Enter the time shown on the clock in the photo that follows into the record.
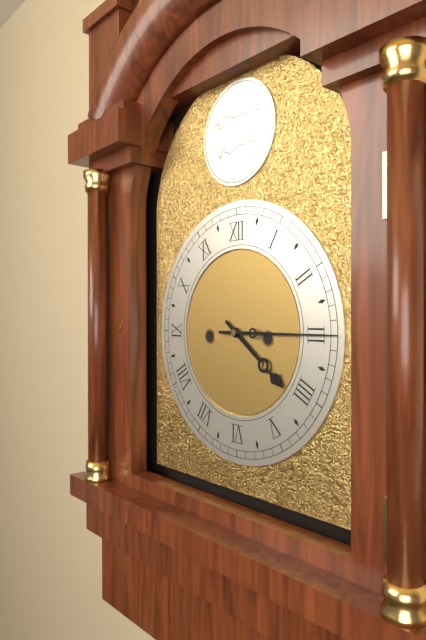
4:15
